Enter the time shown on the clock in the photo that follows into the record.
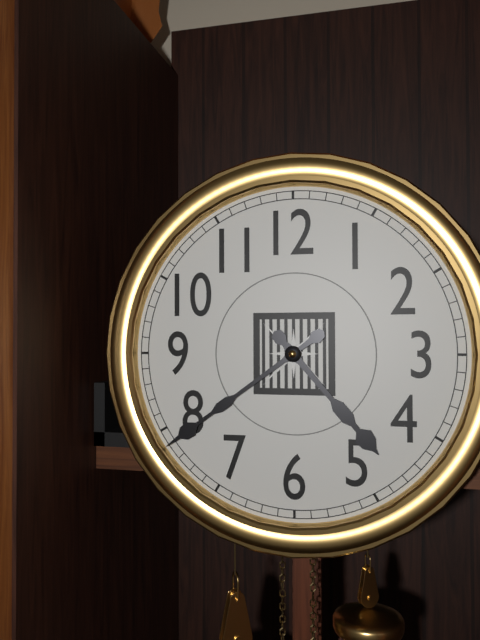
4:39
